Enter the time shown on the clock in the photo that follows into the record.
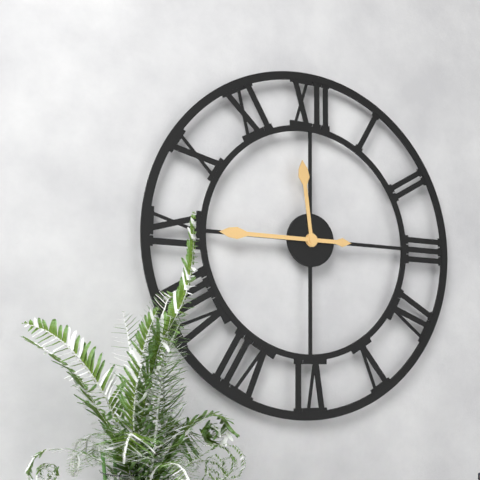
11:45
